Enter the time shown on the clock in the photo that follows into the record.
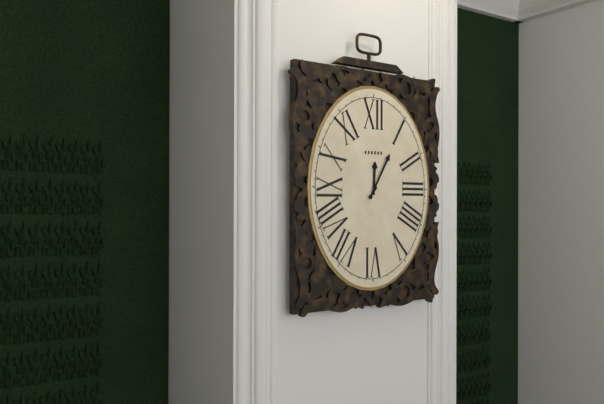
12:05
